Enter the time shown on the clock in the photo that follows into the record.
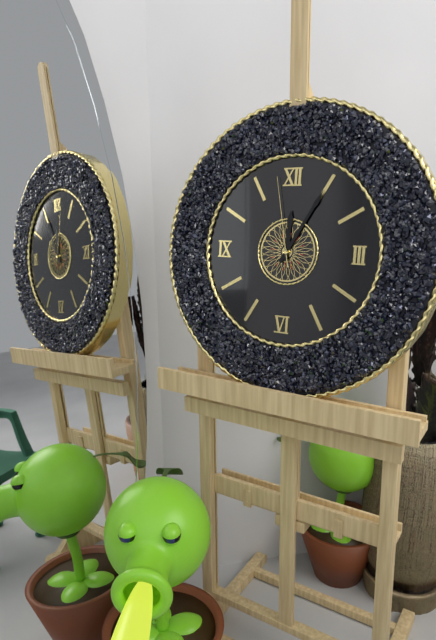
12:05:58
